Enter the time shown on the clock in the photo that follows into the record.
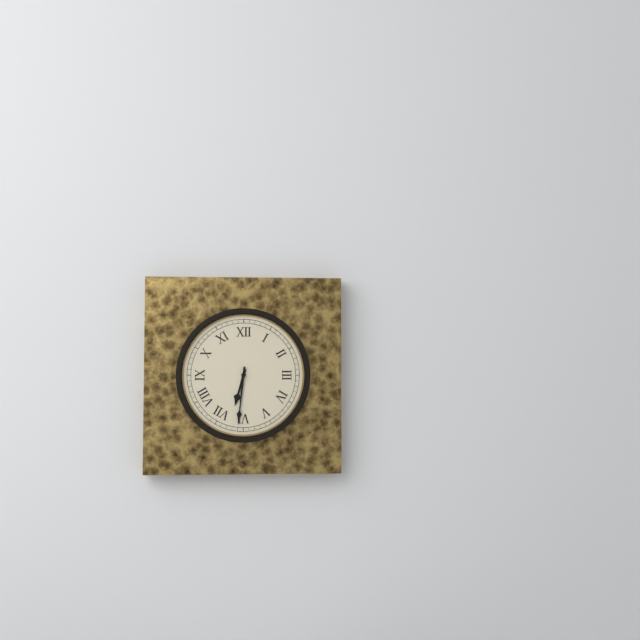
6:31
